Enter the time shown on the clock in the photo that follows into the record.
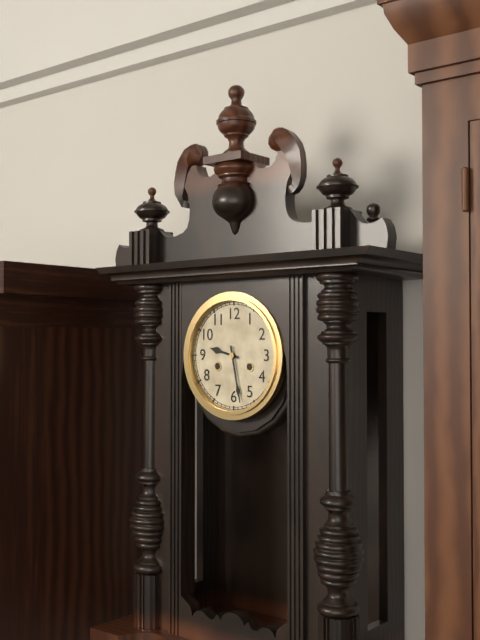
9:28
